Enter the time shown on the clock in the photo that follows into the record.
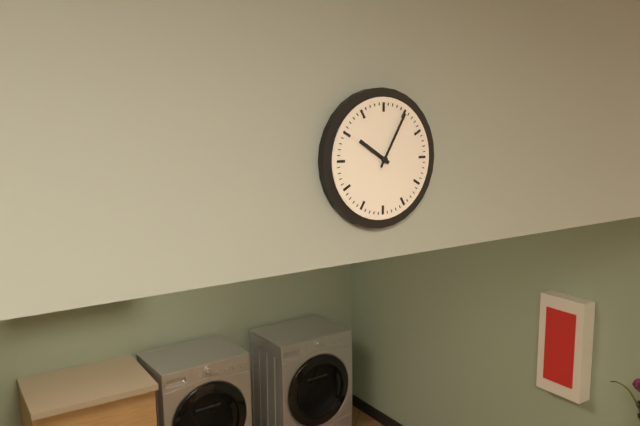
10:05
